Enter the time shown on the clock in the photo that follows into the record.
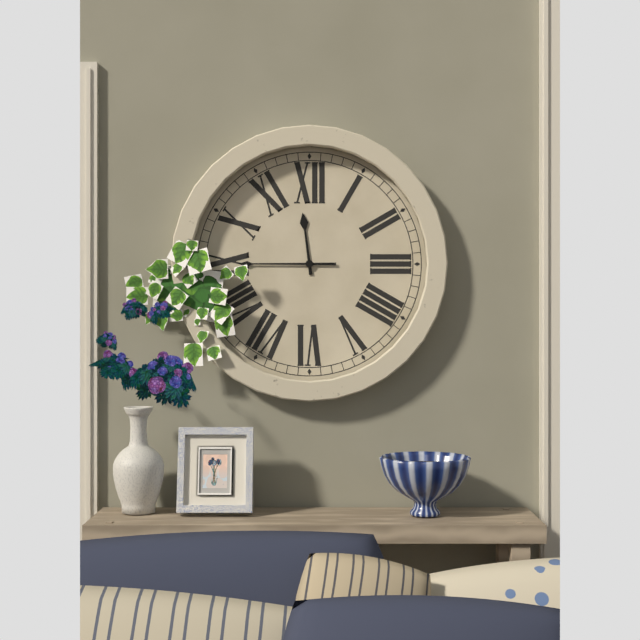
11:45
